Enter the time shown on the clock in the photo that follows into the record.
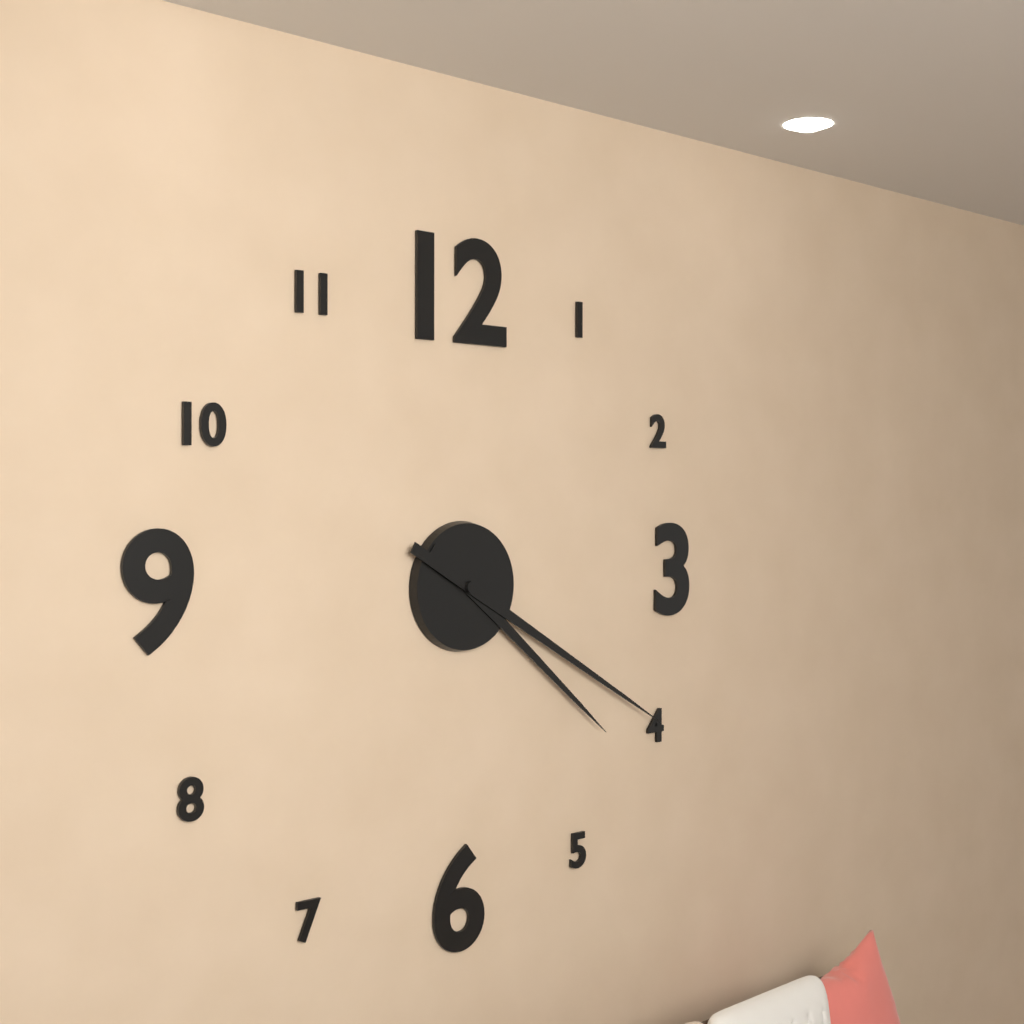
4:20
